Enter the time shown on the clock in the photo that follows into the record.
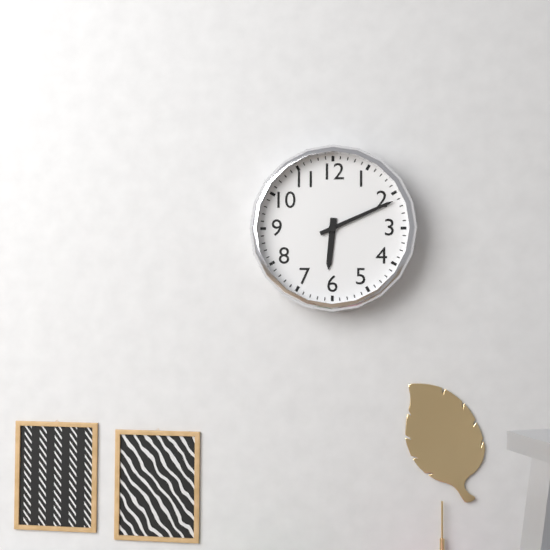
6:11
